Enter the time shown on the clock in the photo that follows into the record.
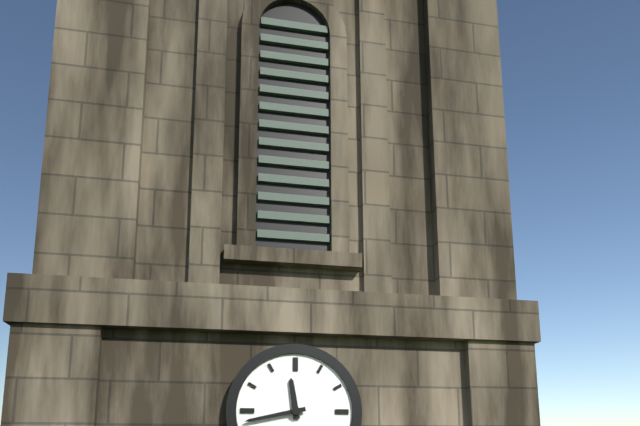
11:43
